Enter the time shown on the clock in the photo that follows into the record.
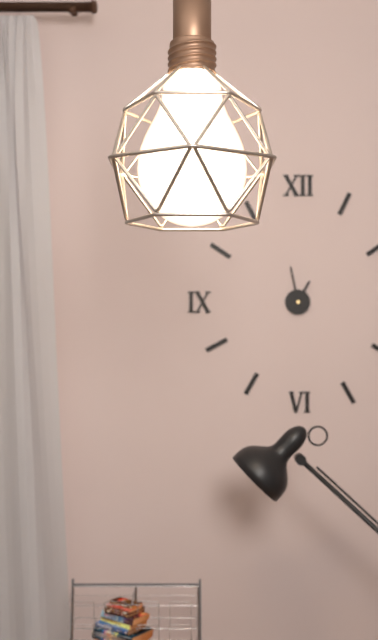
12:58
